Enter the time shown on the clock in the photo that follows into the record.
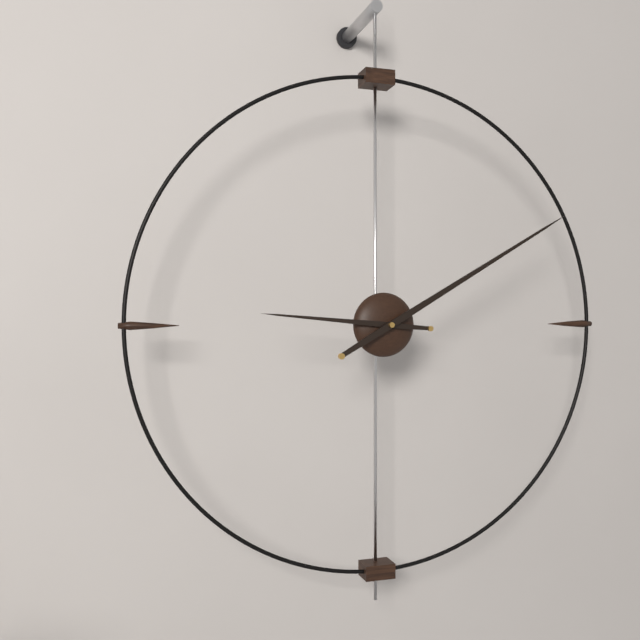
9:10
